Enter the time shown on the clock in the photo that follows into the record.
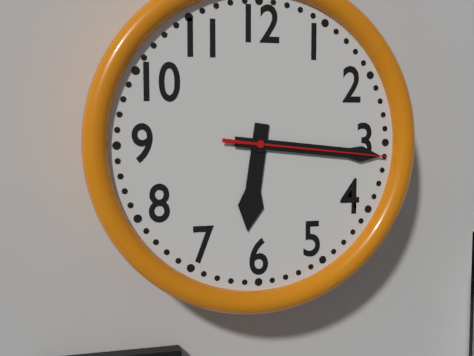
6:16:16
